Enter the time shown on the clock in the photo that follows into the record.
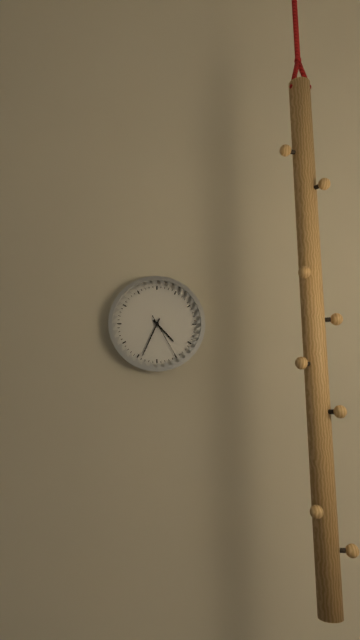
4:34
